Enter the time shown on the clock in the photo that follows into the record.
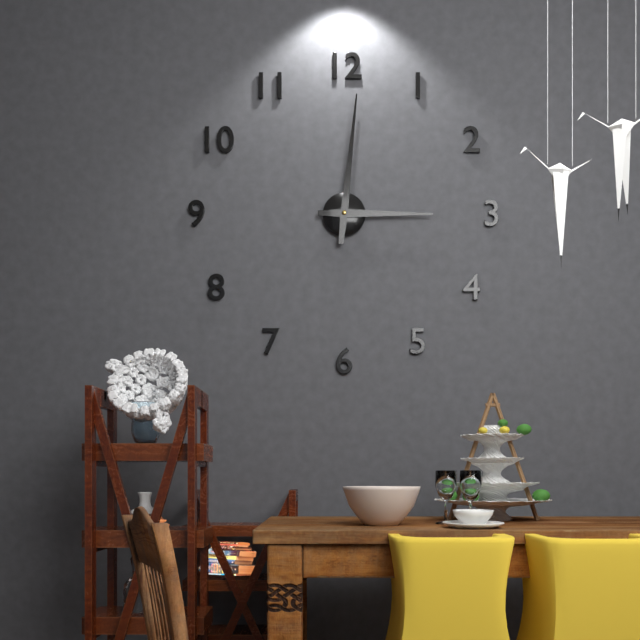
3:01
